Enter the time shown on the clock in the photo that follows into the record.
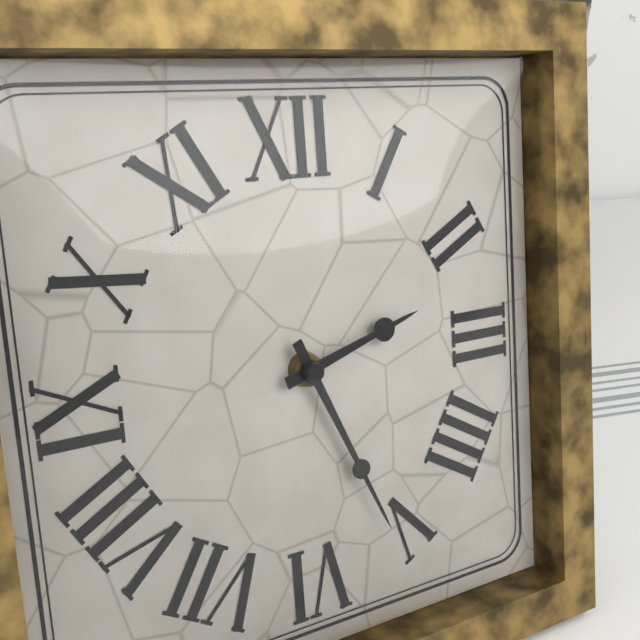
2:26
